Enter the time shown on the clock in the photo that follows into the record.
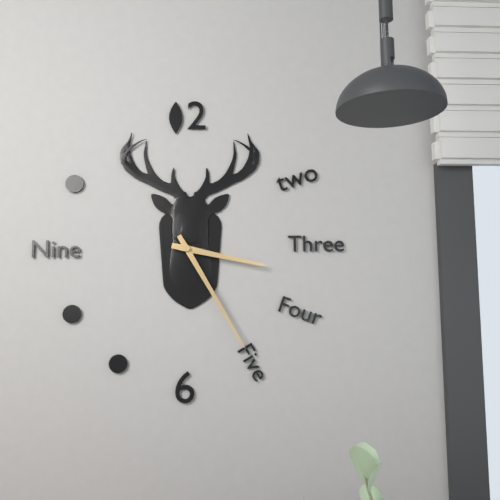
3:25
